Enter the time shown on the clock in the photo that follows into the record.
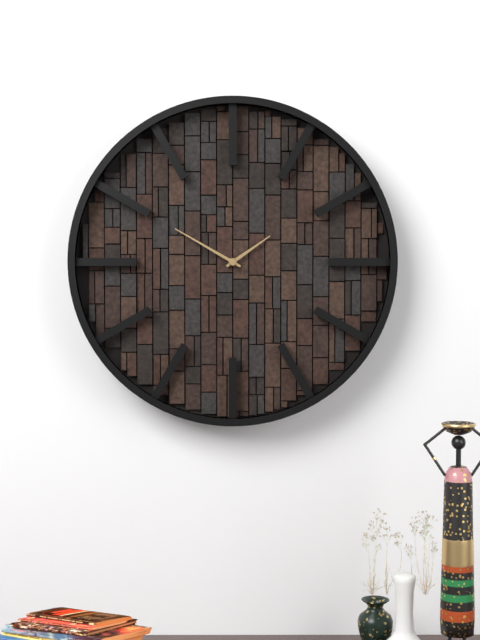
1:50
